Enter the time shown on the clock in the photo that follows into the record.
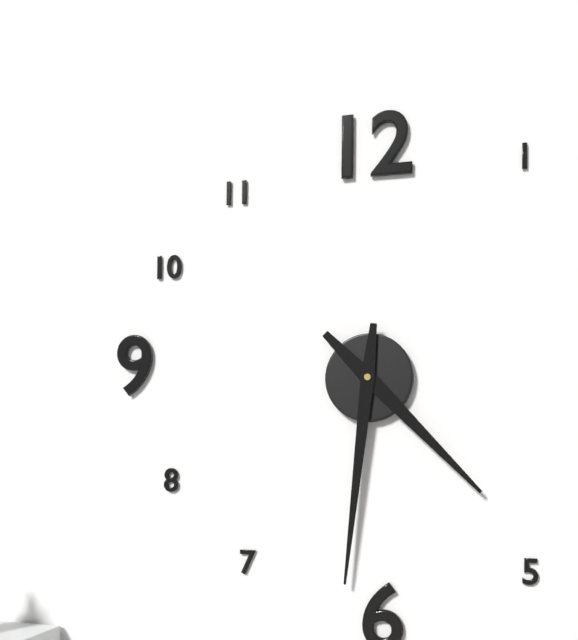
4:31
